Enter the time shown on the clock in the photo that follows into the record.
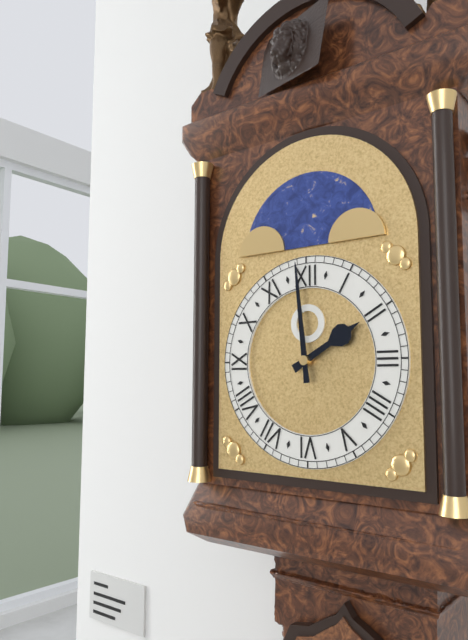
1:59
